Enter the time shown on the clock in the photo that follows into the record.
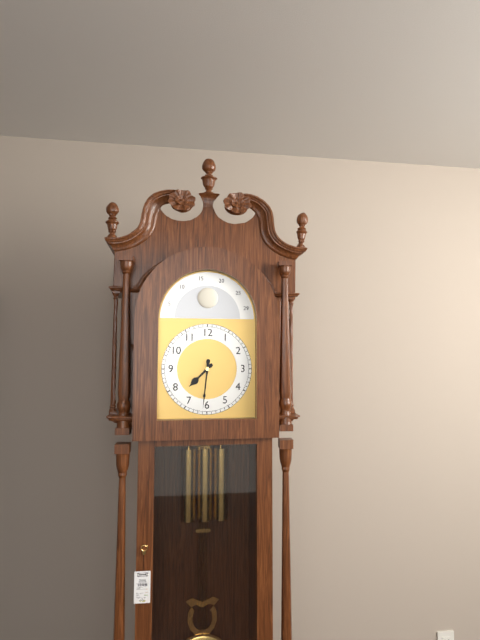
7:31
